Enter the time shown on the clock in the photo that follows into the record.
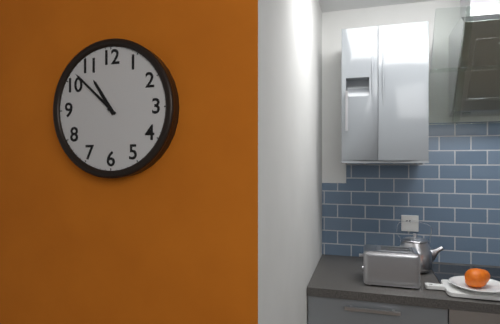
10:52
